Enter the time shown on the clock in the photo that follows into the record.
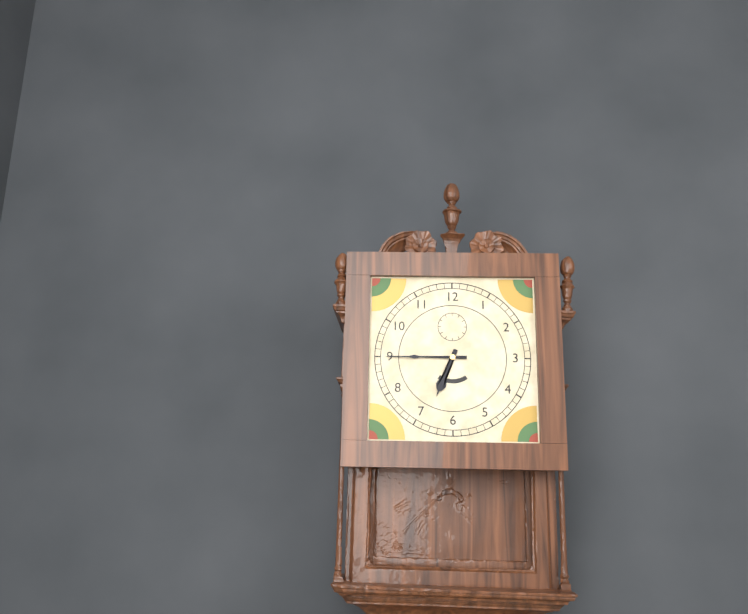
6:45
